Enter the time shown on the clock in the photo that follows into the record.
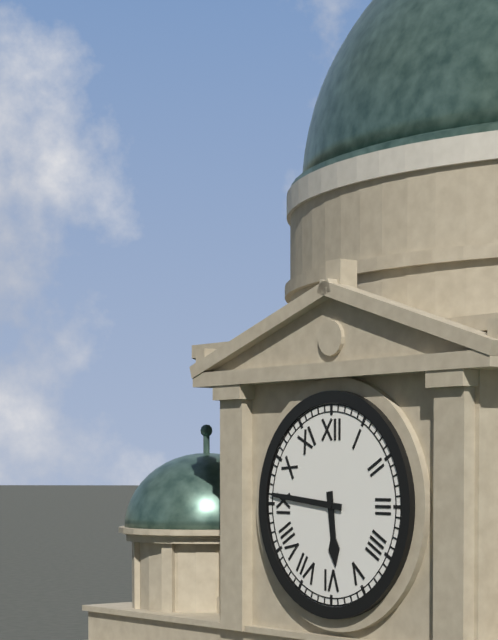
5:46
